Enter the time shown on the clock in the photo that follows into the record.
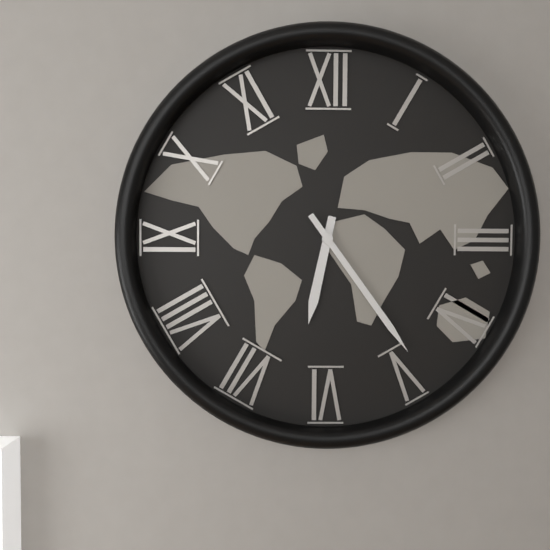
6:24
